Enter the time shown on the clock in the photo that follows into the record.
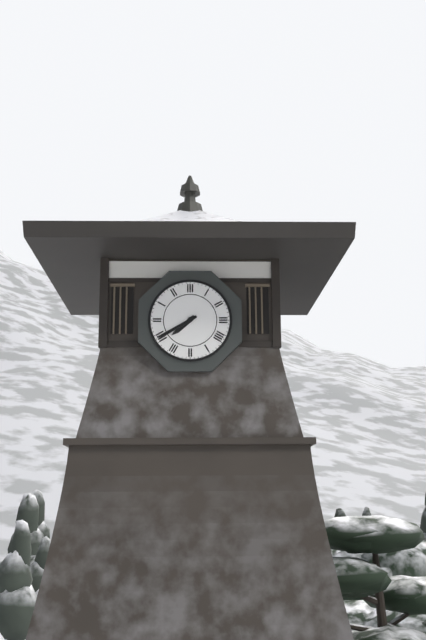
7:40
